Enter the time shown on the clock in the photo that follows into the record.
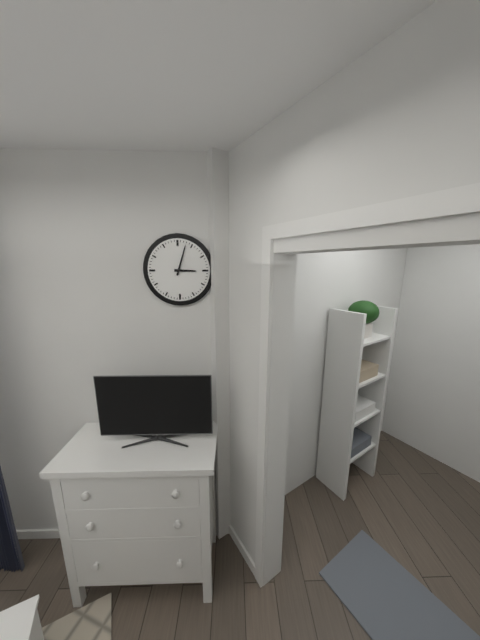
3:03
